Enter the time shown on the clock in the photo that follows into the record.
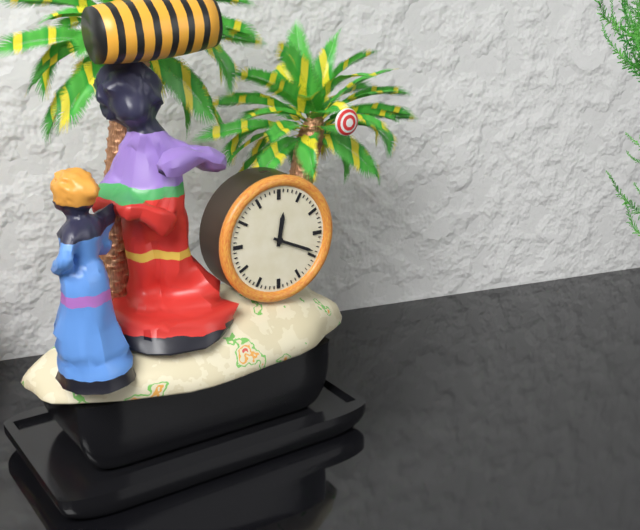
12:19
